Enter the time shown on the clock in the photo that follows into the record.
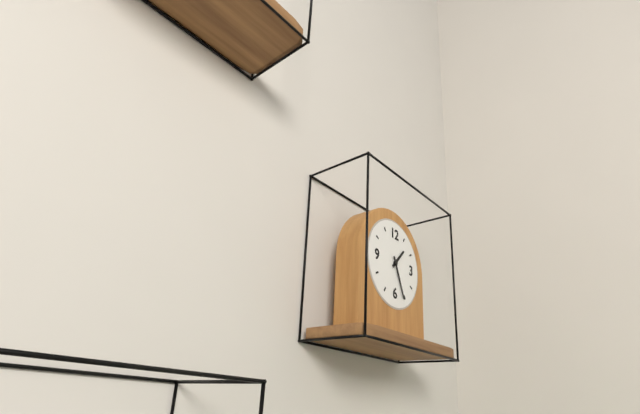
1:26
